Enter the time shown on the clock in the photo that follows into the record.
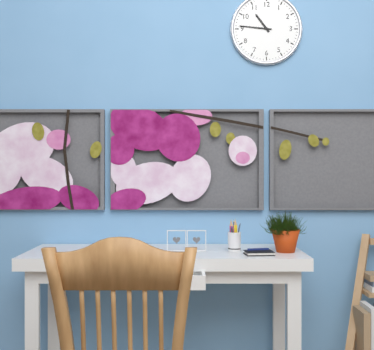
10:46
